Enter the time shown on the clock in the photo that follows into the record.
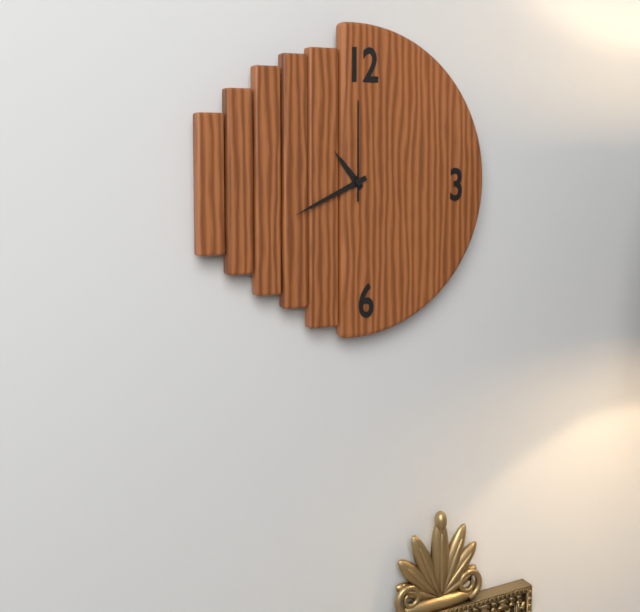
10:41:00
